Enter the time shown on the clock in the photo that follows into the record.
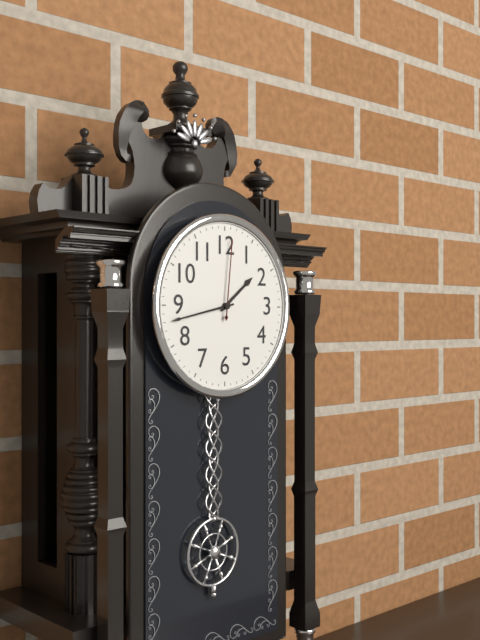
1:43:01
